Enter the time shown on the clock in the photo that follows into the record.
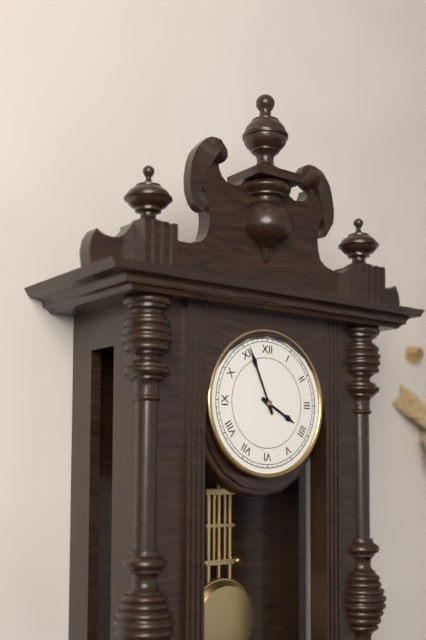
3:56
